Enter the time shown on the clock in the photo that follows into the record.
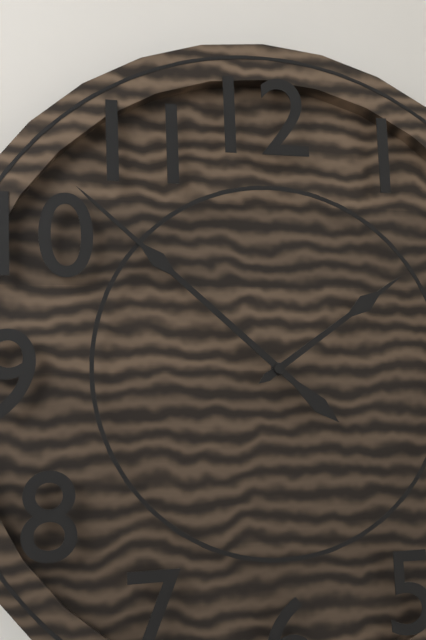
1:52
